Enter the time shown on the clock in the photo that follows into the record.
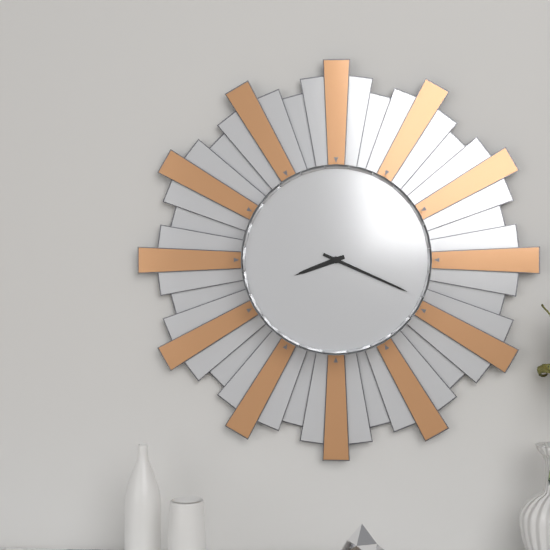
8:19
